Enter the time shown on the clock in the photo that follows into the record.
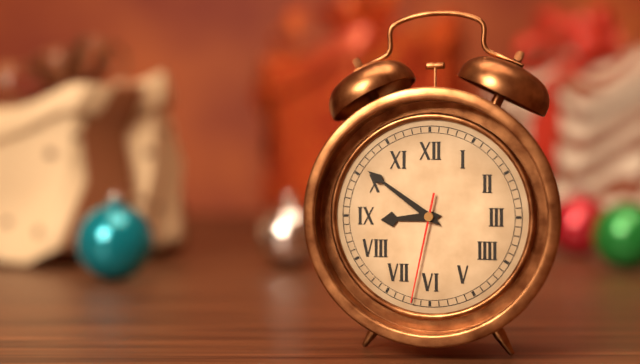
8:51:32
